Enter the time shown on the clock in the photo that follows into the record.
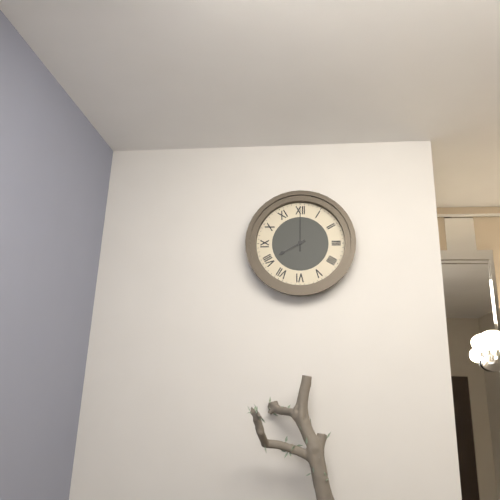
8:00
